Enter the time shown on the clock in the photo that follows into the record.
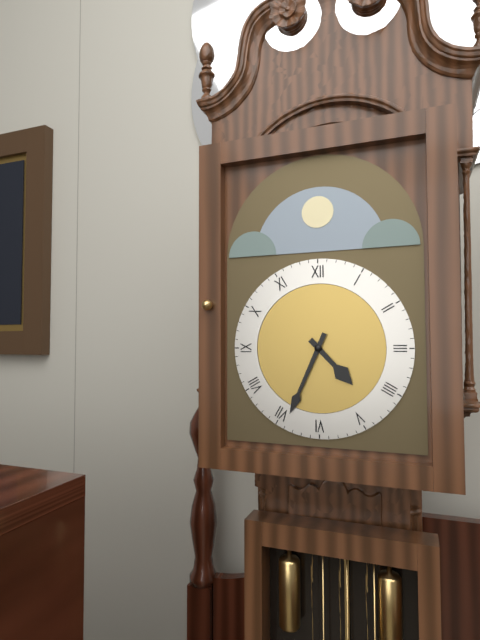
4:34
